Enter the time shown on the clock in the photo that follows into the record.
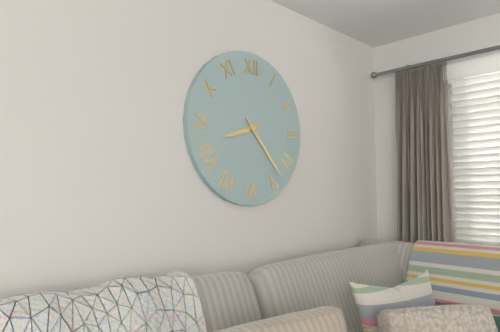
8:23
